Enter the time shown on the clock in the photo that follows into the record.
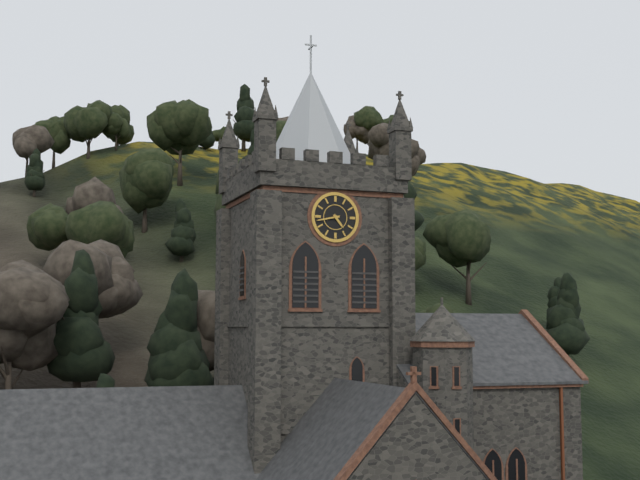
4:43
